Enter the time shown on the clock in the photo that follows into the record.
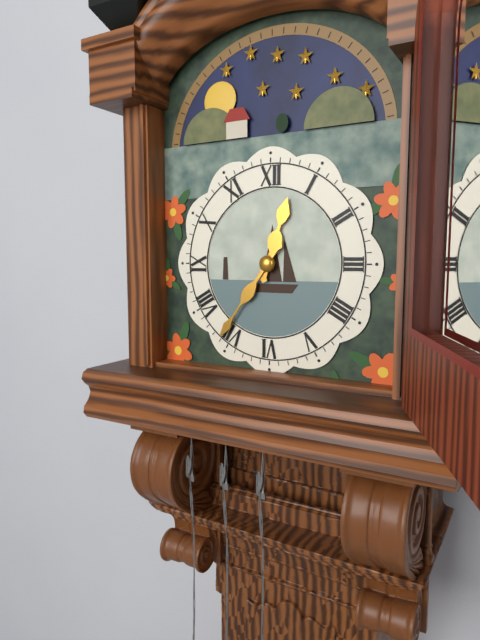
12:36
